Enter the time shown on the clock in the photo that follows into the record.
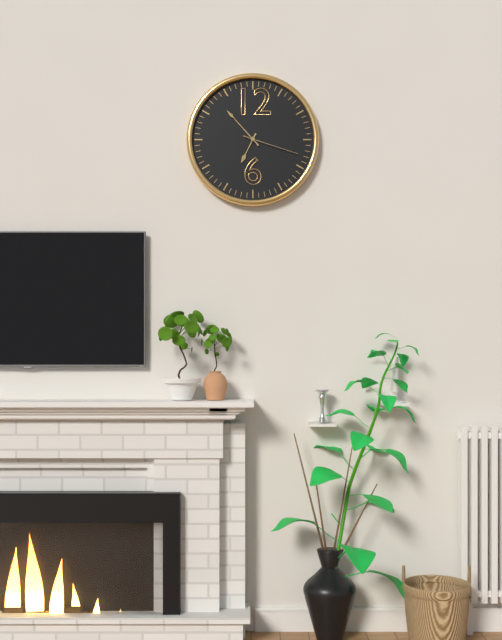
6:53:18
